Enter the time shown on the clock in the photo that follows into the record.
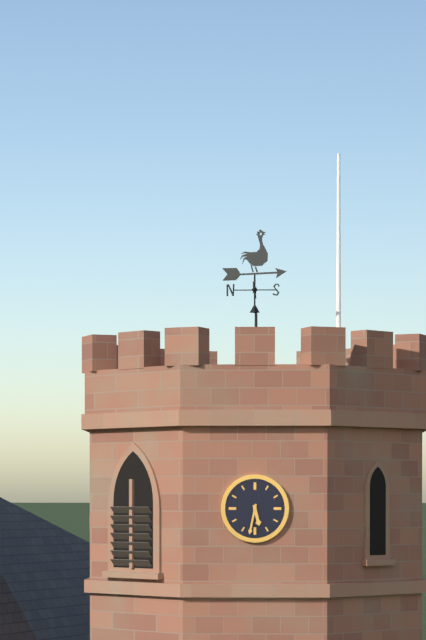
5:32
